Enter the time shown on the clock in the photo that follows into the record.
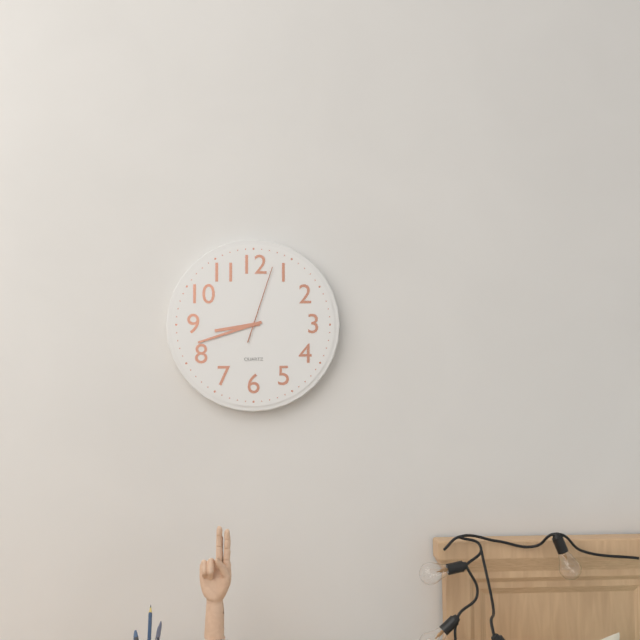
8:42:03
